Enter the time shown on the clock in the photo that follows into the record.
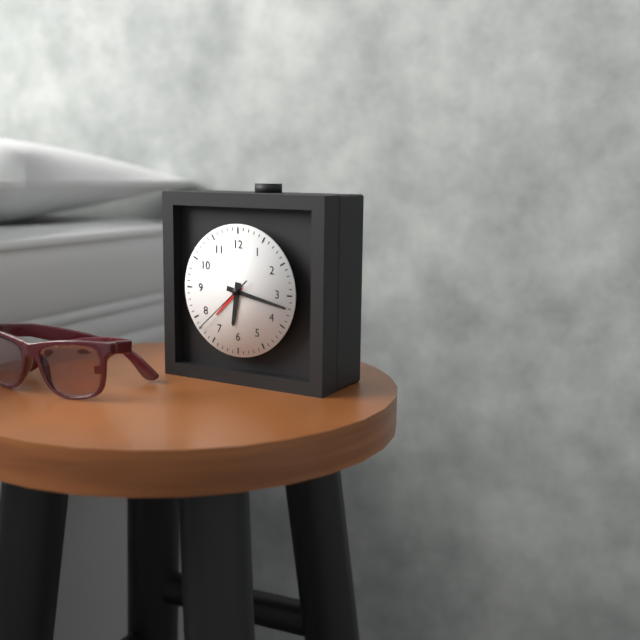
6:17:38
